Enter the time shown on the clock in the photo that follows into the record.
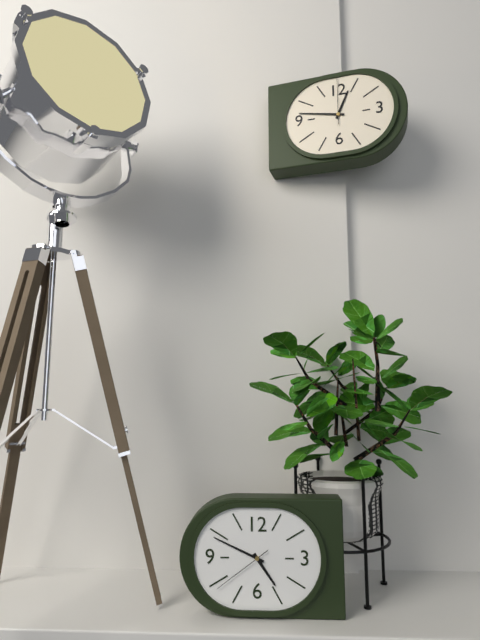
4:49:39
